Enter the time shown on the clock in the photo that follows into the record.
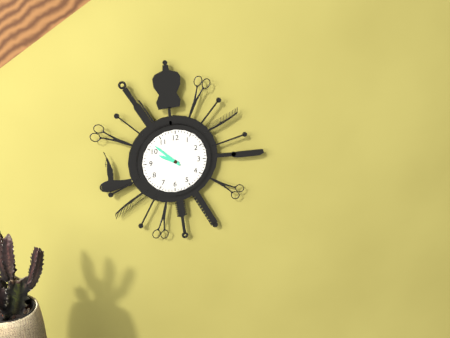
9:52
